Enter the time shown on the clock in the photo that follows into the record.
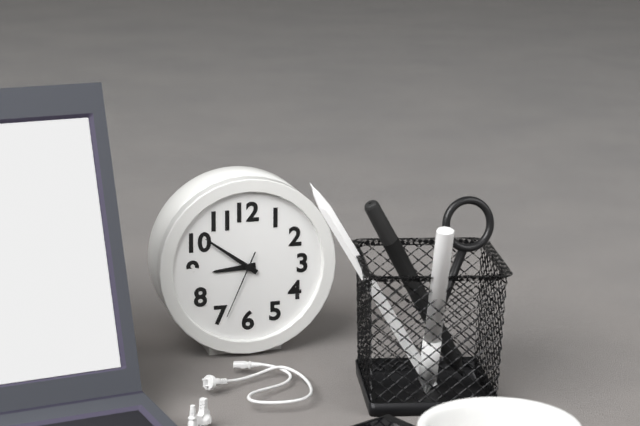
8:51:34
